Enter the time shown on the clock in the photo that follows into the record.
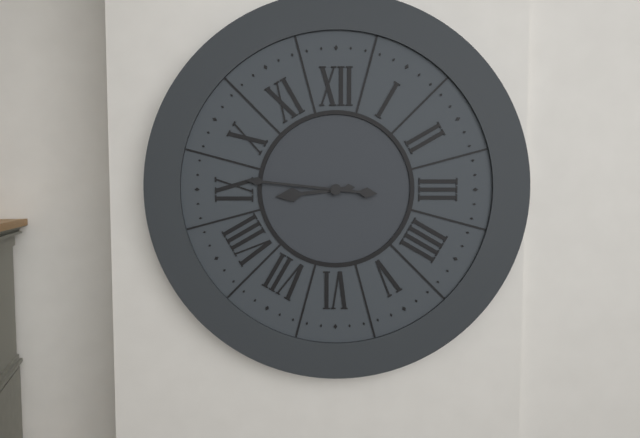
8:46
